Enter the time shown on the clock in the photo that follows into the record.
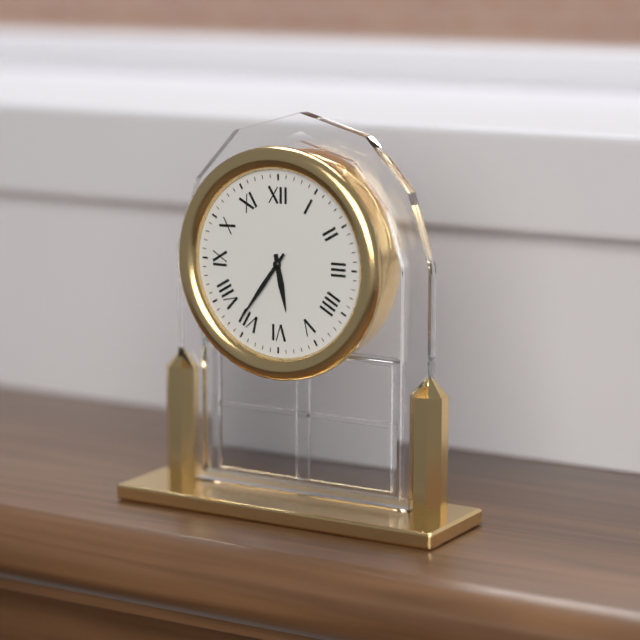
5:36
